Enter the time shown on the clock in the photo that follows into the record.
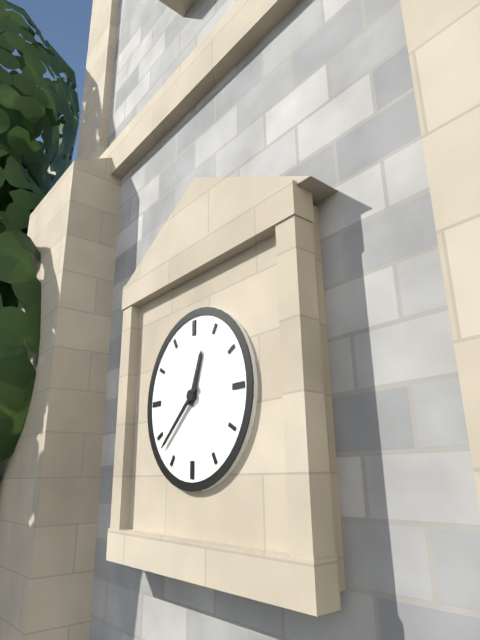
12:38
